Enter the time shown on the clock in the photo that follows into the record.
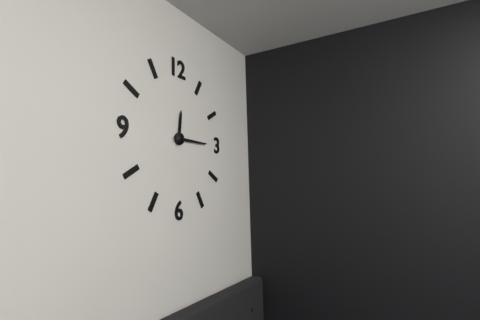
12:15
